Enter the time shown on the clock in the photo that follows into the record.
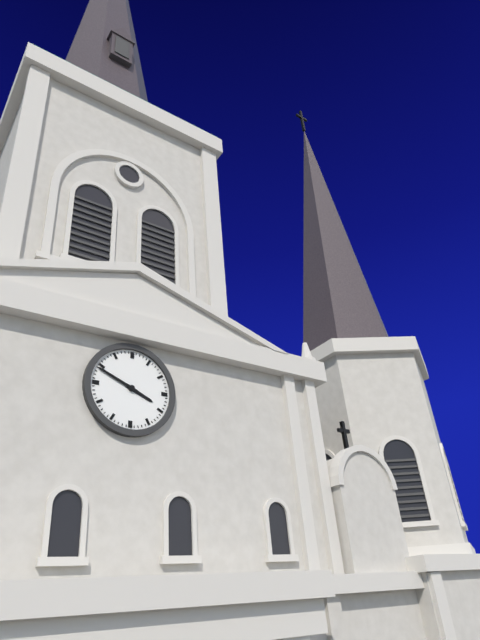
3:49
